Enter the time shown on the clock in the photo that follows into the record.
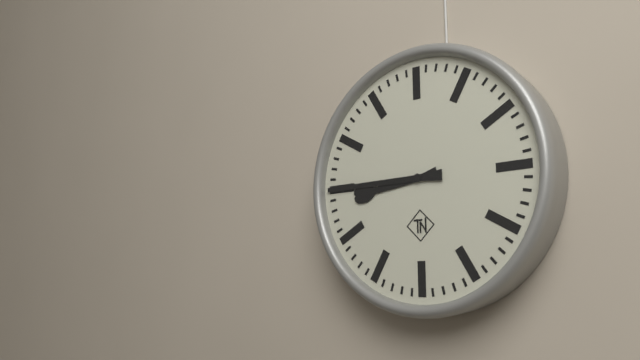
8:45
